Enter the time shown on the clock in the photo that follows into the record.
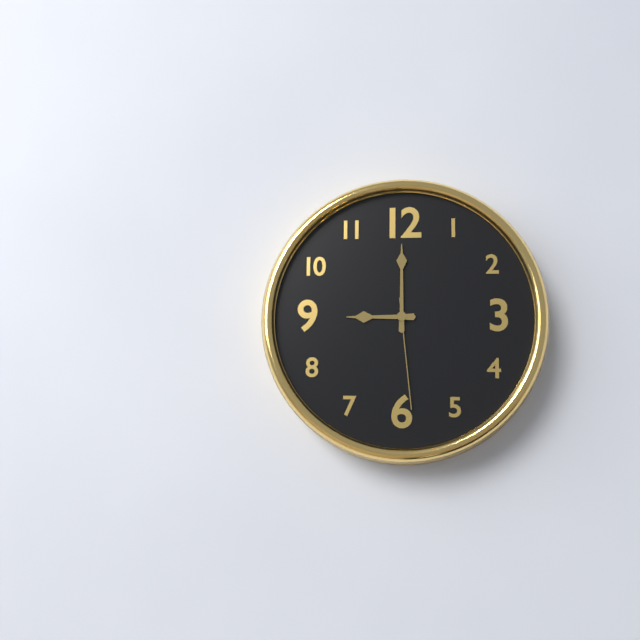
9:00:29
